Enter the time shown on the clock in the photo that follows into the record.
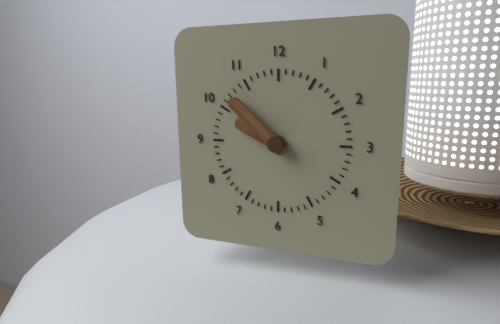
9:52
